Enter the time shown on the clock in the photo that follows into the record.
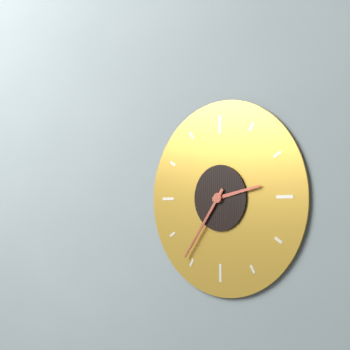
2:36
